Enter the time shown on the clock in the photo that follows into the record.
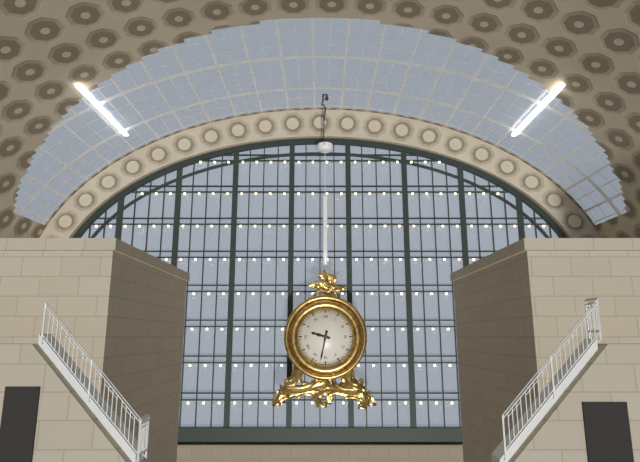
9:32
